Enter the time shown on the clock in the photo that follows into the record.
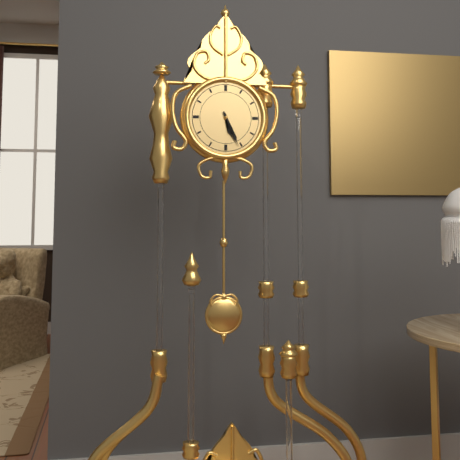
5:26
